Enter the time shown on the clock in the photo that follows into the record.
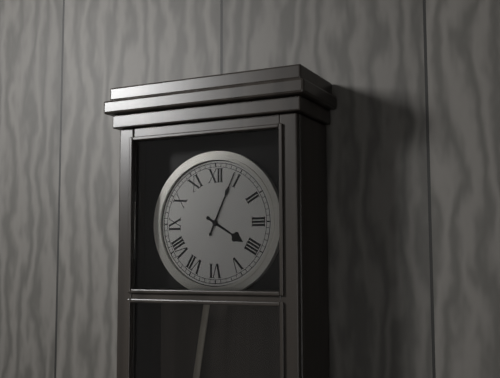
4:04
